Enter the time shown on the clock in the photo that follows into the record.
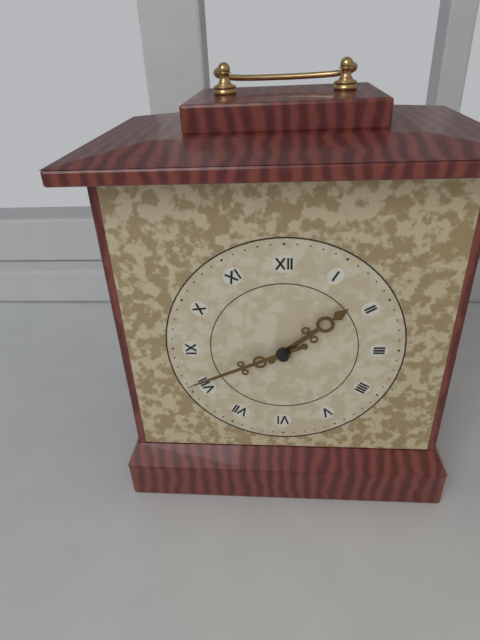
1:41
